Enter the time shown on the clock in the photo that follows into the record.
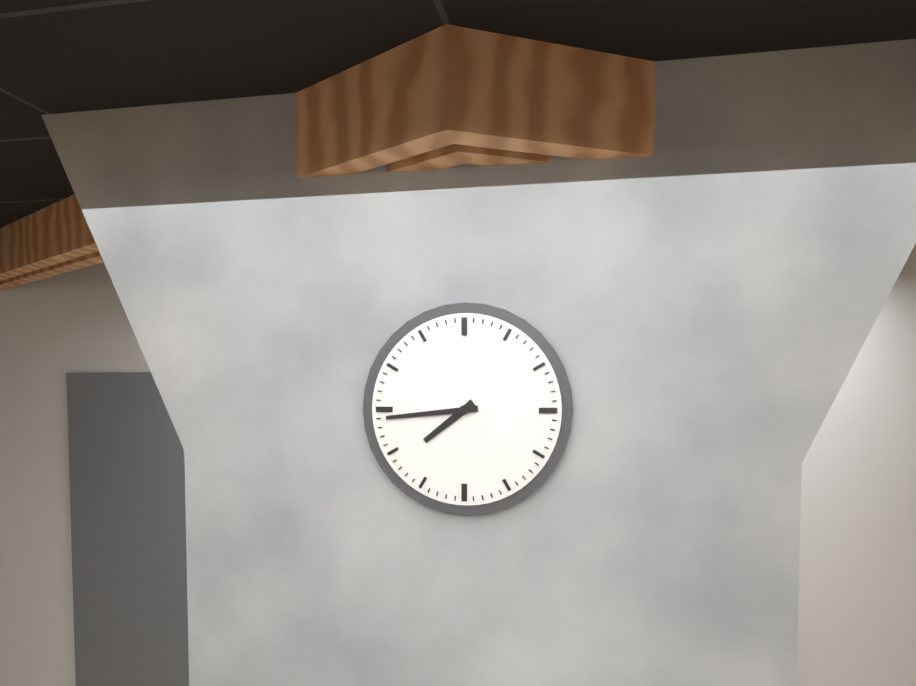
7:44
